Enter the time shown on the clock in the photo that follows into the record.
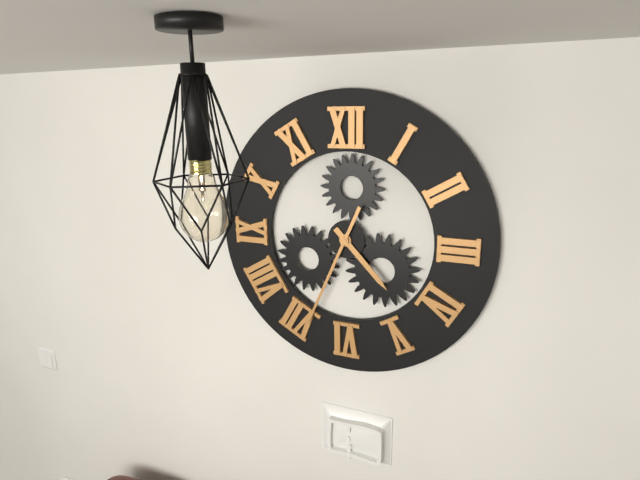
4:34
